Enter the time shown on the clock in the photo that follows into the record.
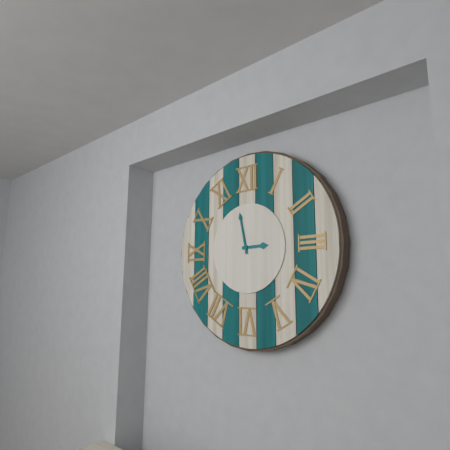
2:58
